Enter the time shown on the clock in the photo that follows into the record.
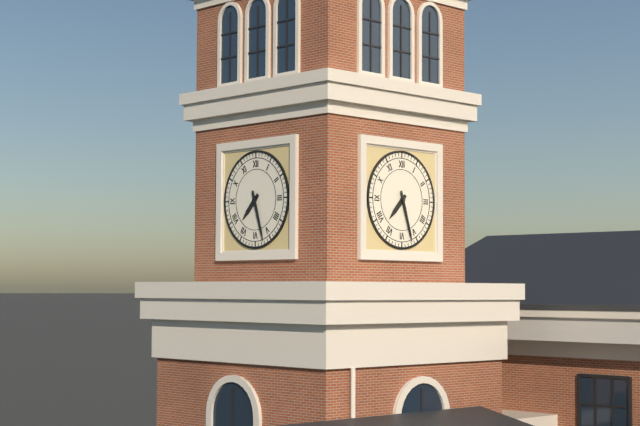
7:27
